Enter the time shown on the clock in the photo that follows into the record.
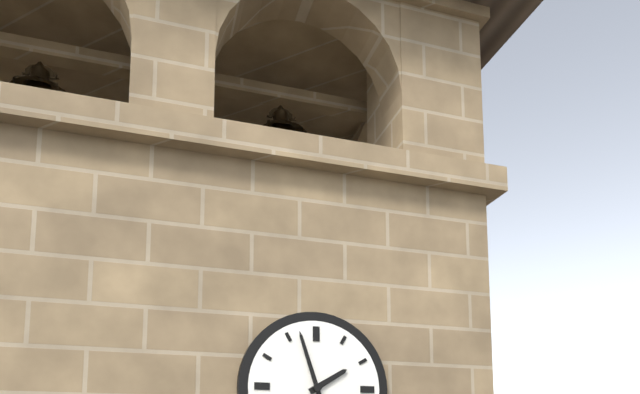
1:57
